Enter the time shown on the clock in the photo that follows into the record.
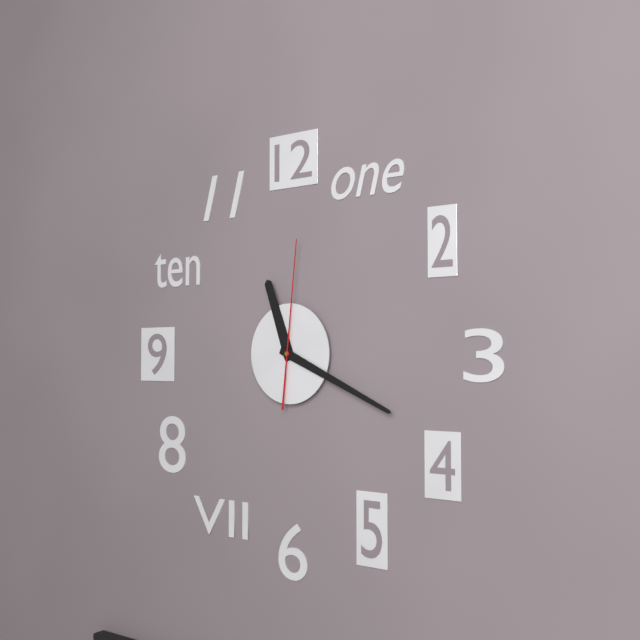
11:19:01
